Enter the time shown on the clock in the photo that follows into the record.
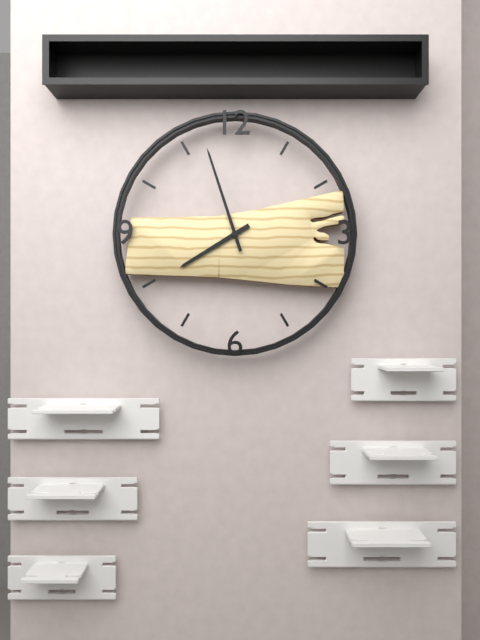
7:57
